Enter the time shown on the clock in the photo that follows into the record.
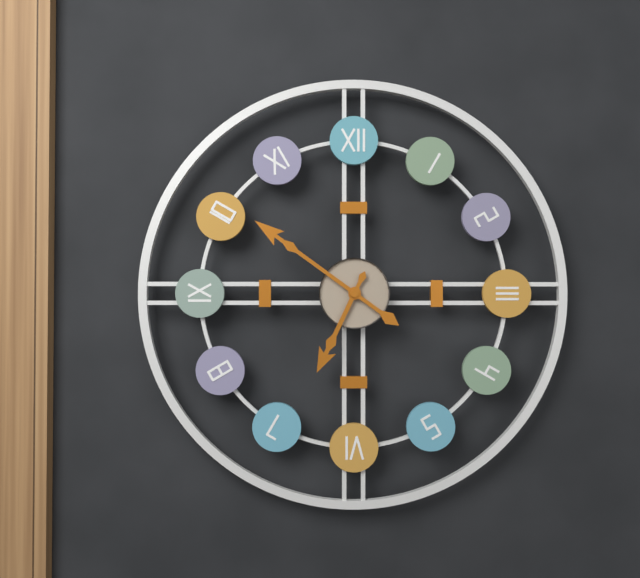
6:51
